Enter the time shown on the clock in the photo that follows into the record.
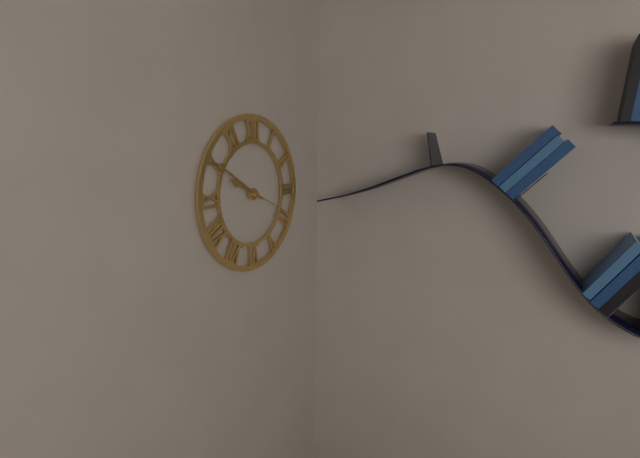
9:50:19
